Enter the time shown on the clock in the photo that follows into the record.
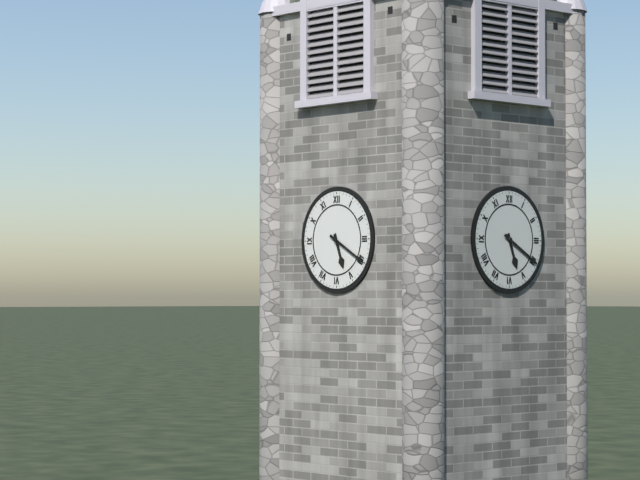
5:20
